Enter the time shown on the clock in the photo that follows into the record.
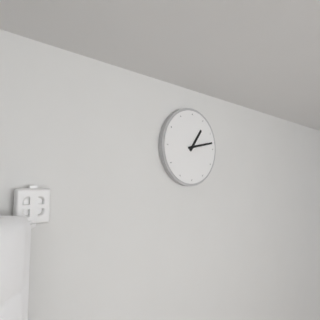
1:13
